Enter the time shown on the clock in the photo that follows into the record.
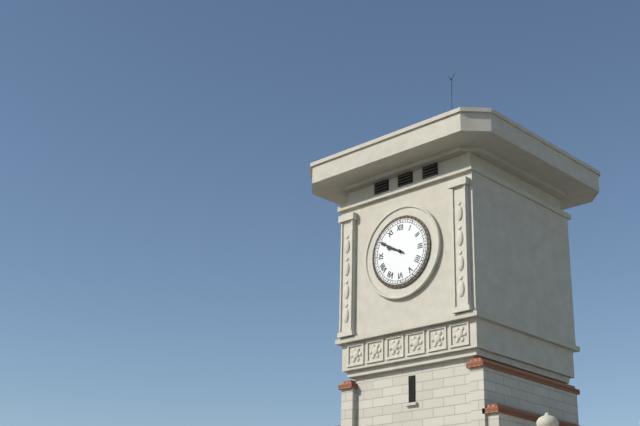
9:50
